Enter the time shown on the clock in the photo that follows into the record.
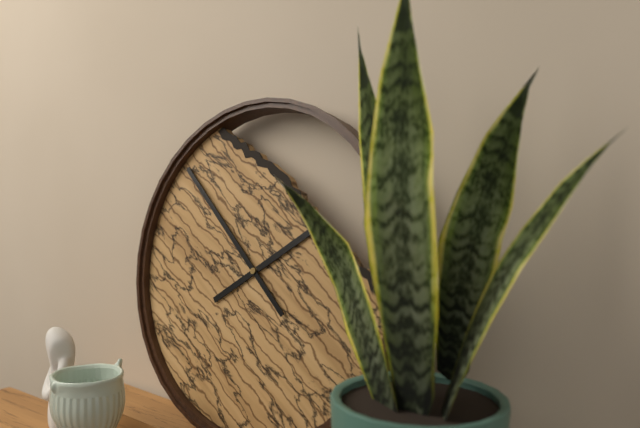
1:52
